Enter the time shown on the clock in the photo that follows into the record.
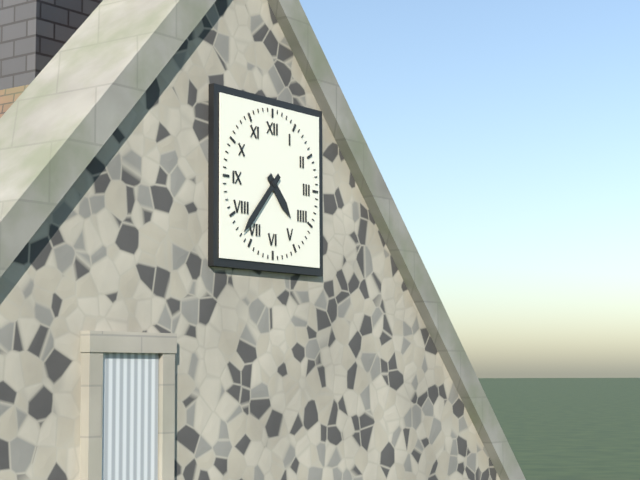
4:37
